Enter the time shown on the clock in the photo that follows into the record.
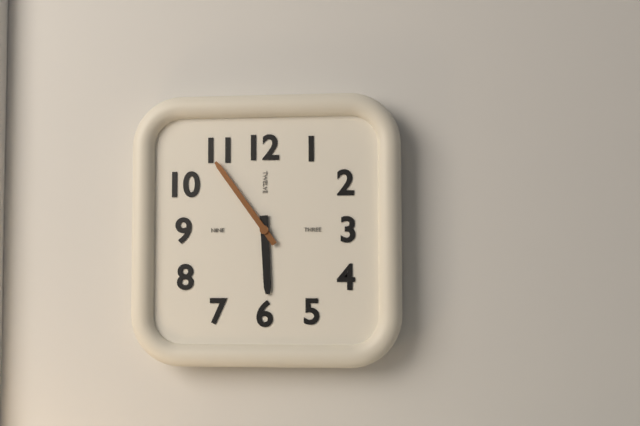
5:54
